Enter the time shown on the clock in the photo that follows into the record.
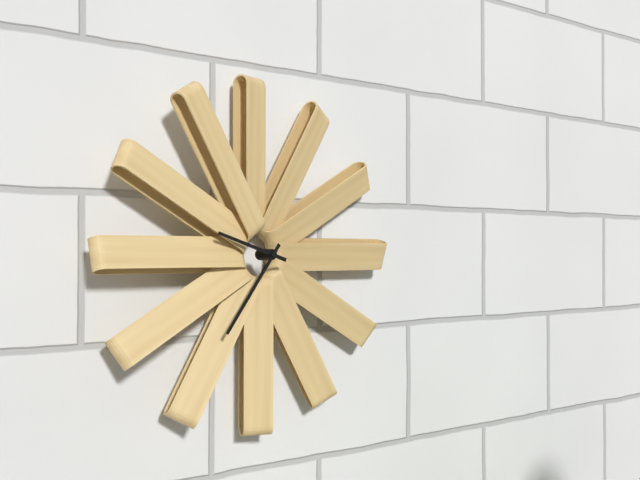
9:36
